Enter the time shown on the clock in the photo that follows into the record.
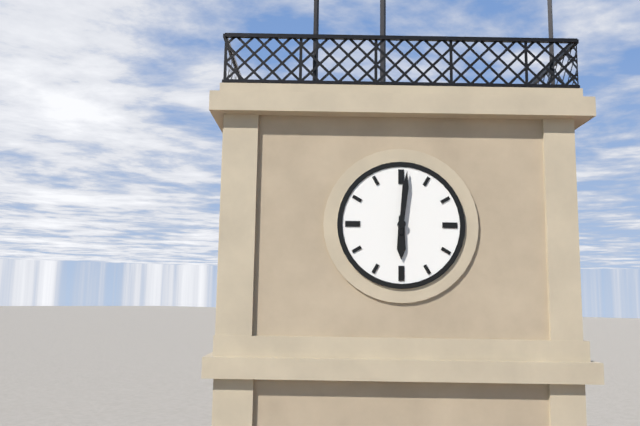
6:01
